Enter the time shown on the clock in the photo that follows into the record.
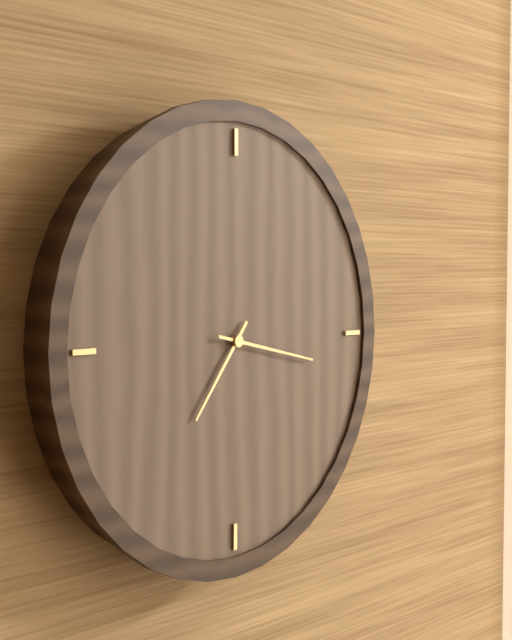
7:17
